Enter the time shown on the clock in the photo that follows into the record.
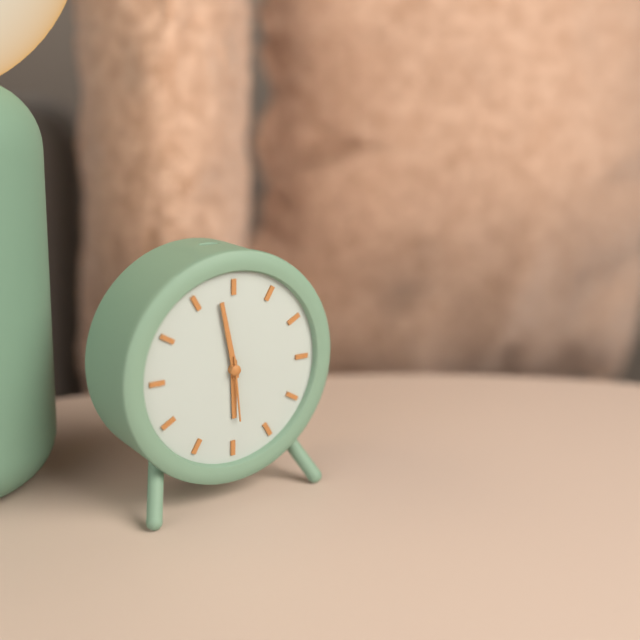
5:58:29
